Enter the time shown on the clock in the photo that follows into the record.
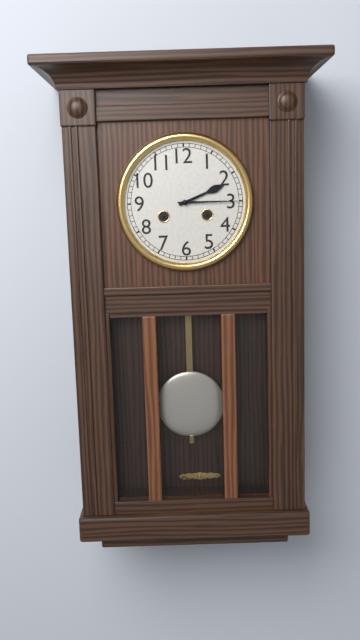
2:15
